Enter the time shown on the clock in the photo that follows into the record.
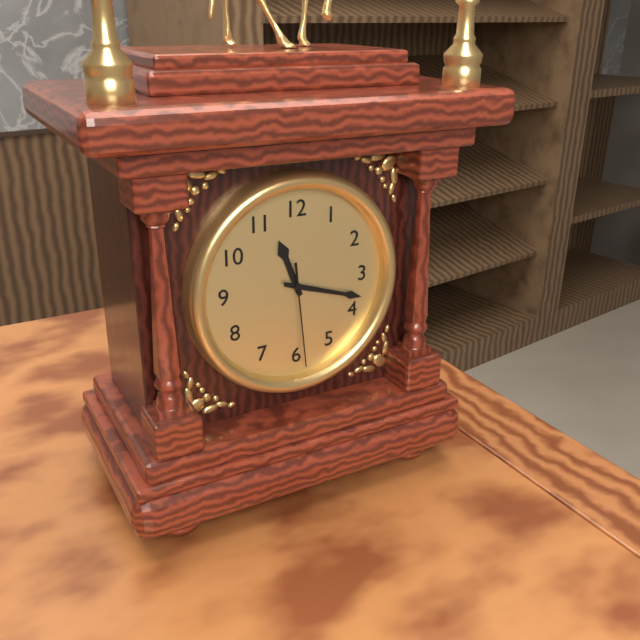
11:18:29
